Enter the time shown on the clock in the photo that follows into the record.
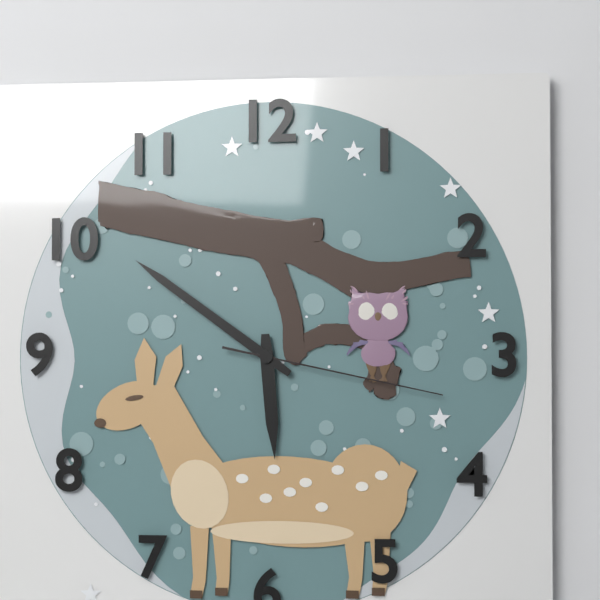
5:51:17
